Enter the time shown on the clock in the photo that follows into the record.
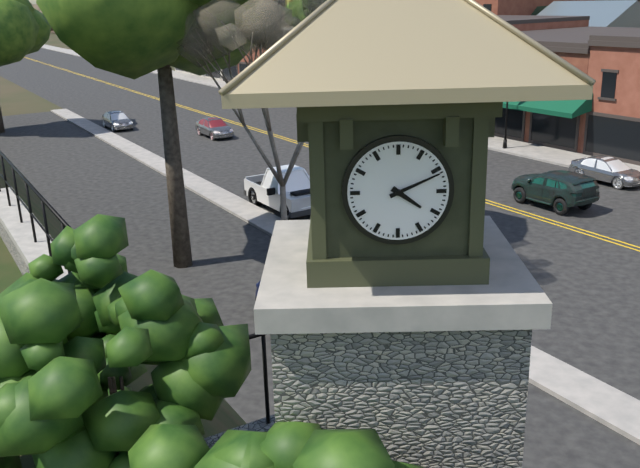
4:11
